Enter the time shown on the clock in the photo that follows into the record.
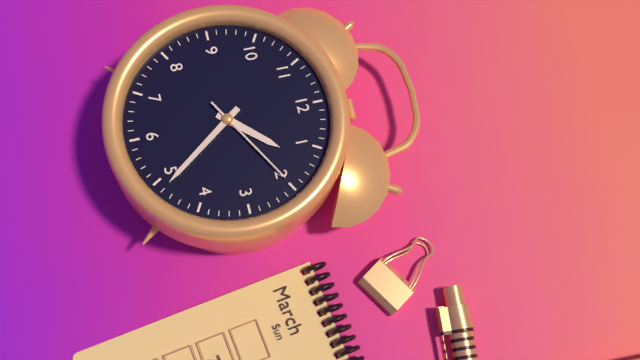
1:24:10
